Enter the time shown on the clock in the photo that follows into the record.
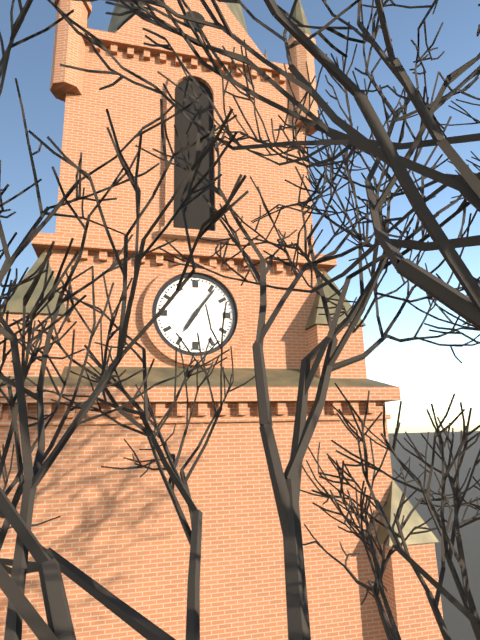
7:06
